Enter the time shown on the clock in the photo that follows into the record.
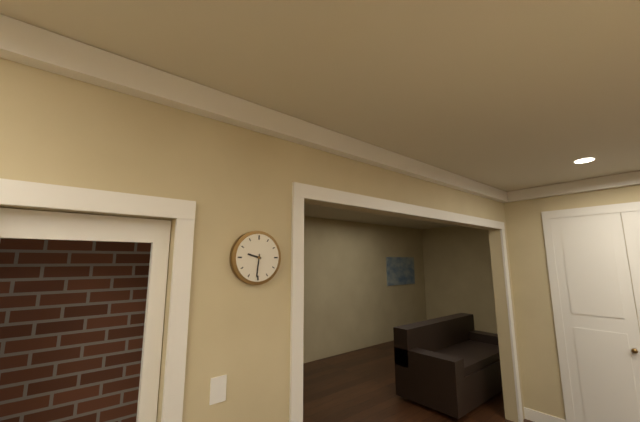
9:31
